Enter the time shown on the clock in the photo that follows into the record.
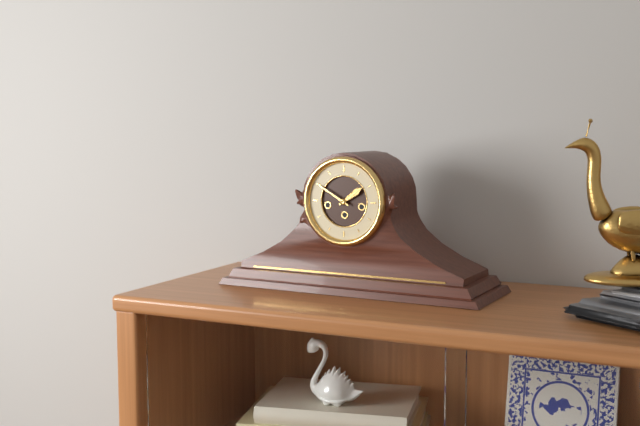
1:50
